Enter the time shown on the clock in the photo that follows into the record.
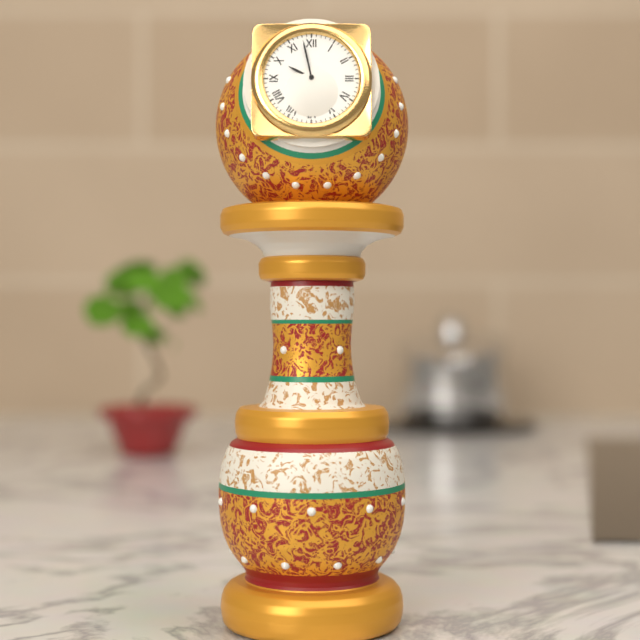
9:58
